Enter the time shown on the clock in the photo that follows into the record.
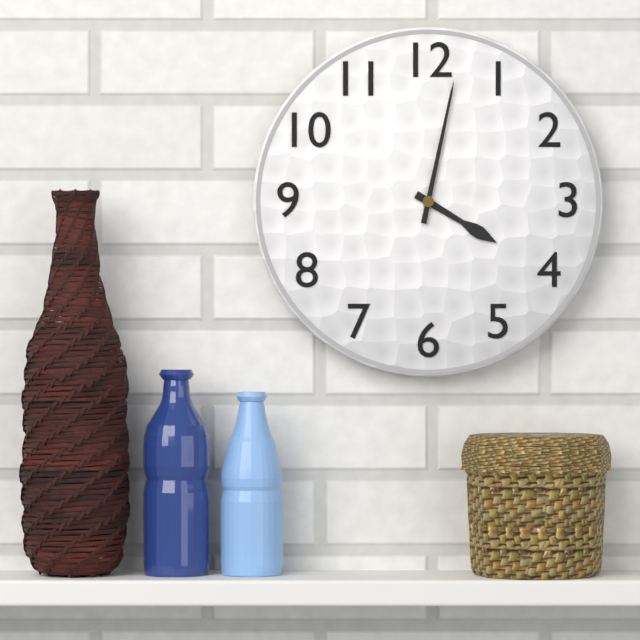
4:02
